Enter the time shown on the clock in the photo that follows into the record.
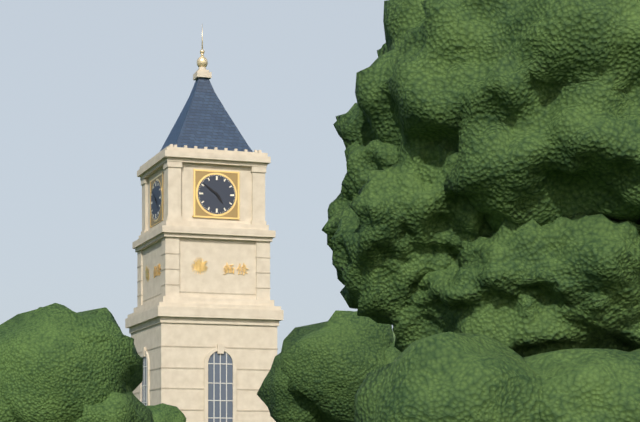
4:51
